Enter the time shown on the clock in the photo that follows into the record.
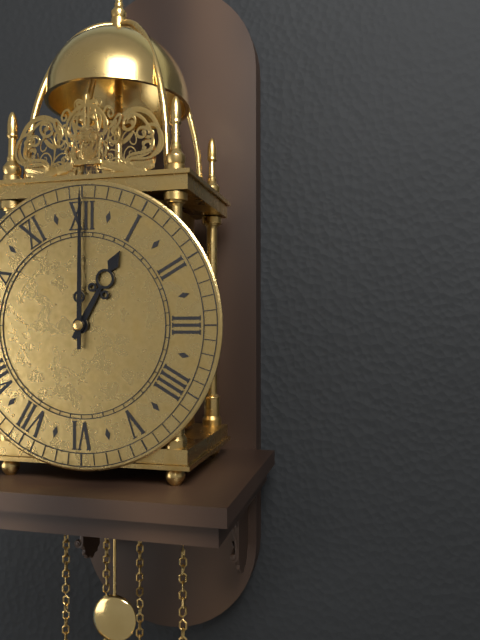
1:00
